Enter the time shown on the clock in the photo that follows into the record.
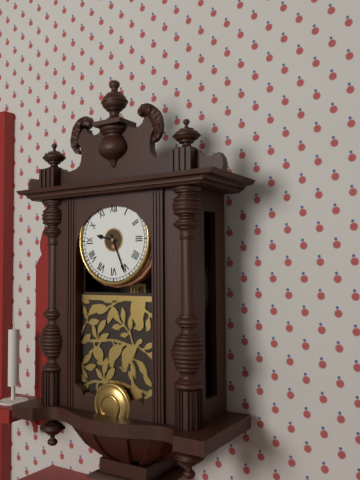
9:26
